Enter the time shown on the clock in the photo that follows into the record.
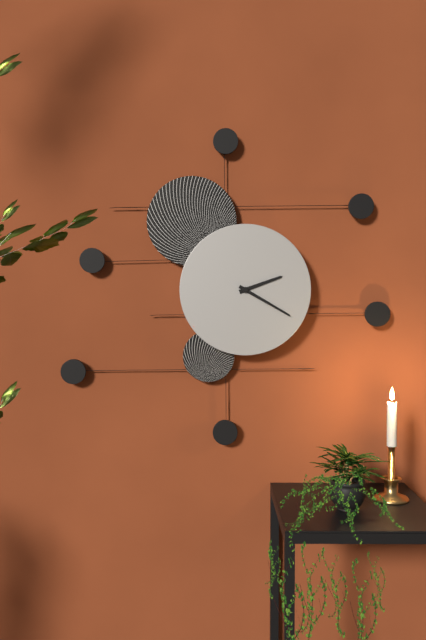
2:20
